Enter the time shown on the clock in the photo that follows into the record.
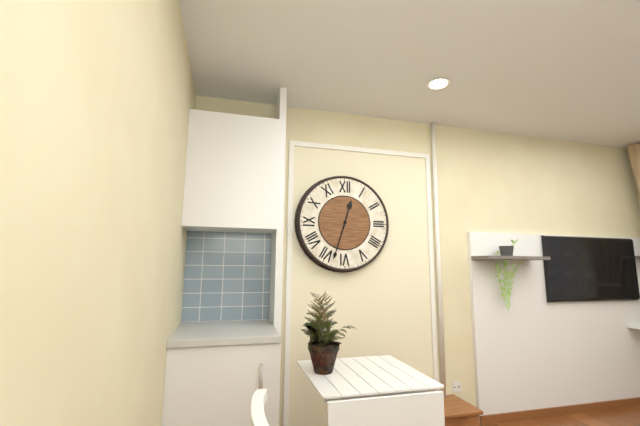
12:33
